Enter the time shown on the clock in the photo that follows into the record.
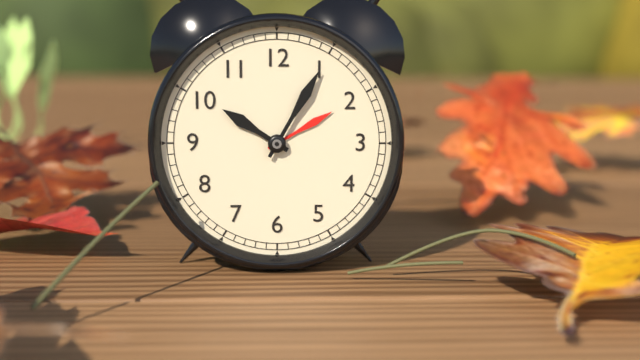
10:05
